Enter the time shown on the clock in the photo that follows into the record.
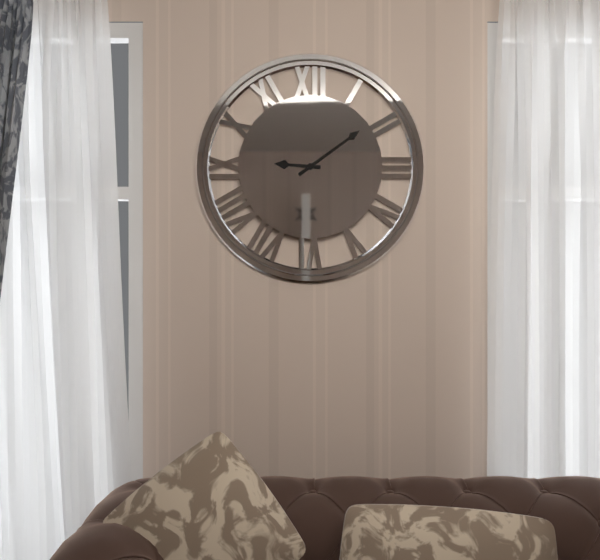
9:09
